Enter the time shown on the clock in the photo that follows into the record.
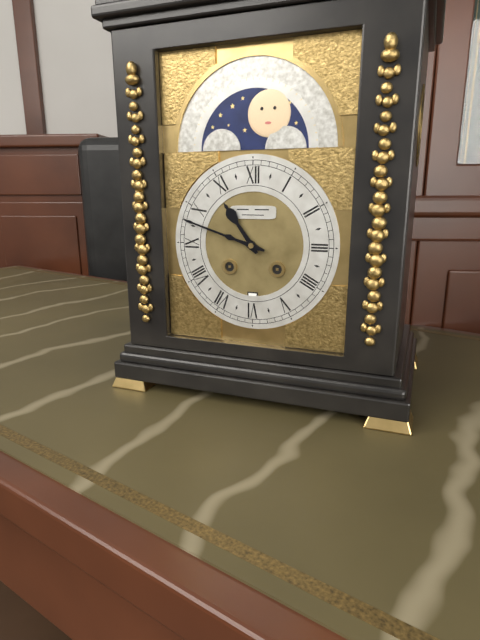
10:48
